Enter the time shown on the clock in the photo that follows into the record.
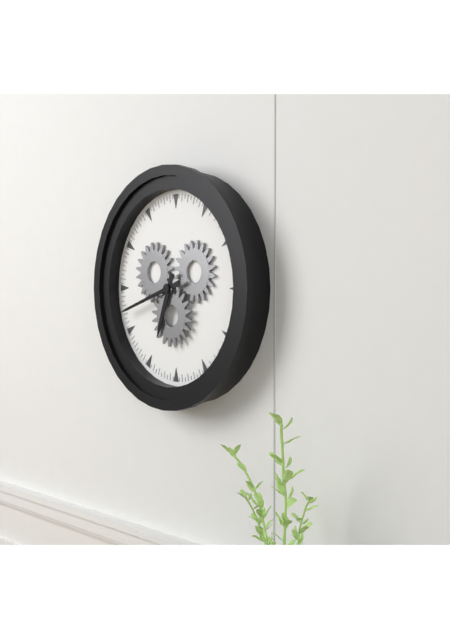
6:42
